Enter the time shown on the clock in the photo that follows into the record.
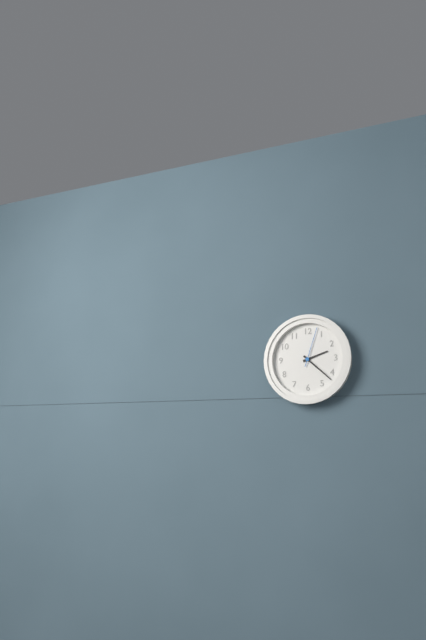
2:22
